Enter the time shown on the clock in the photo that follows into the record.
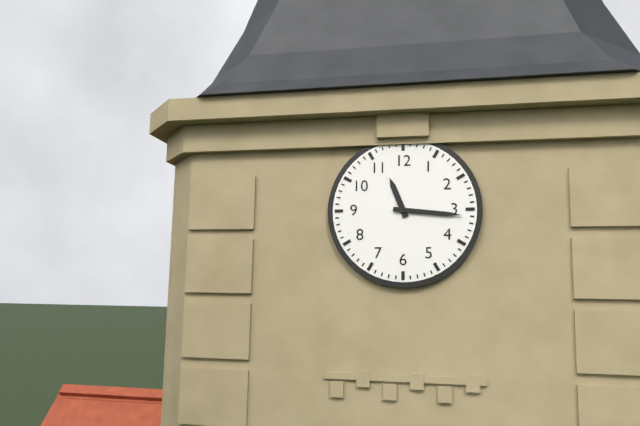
11:16
